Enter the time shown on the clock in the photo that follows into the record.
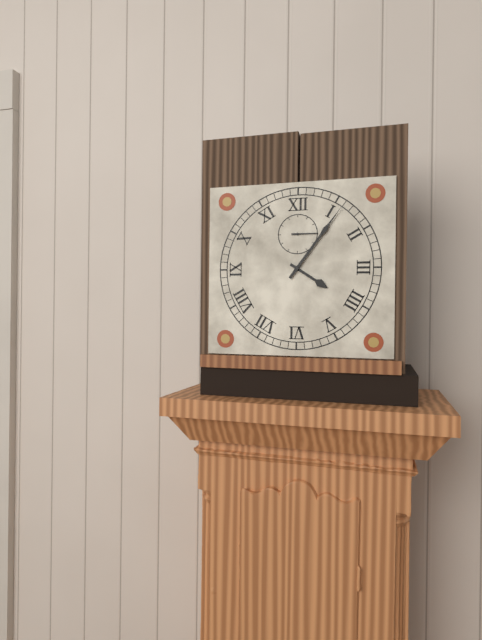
4:06
